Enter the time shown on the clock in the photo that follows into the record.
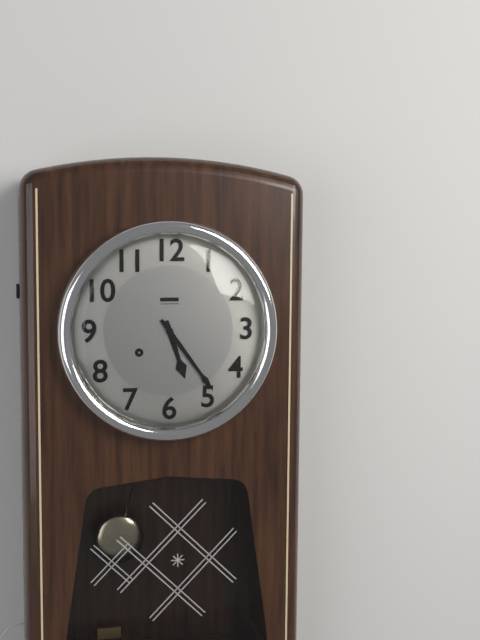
5:24
